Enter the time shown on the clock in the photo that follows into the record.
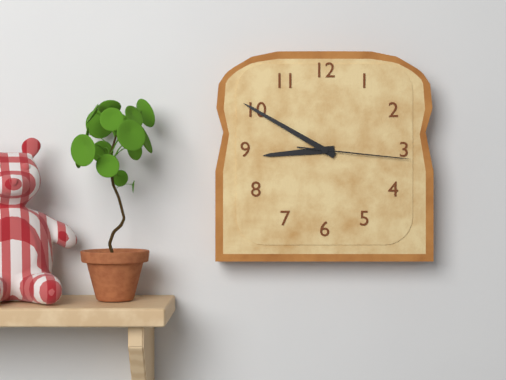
8:50:16
